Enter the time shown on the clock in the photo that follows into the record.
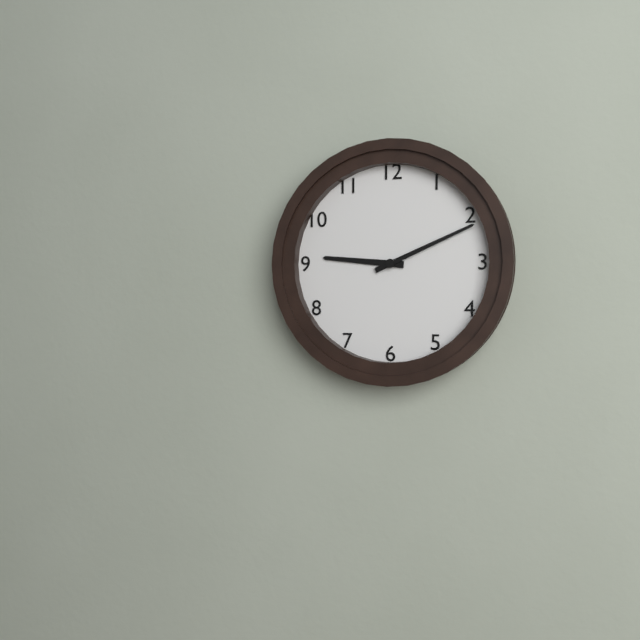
9:11
